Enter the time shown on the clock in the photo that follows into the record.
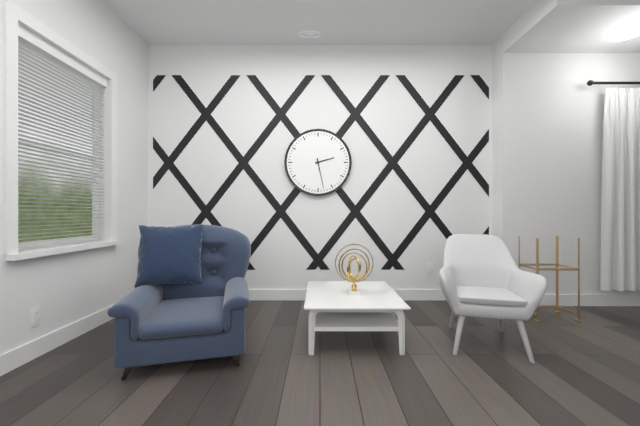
2:28
